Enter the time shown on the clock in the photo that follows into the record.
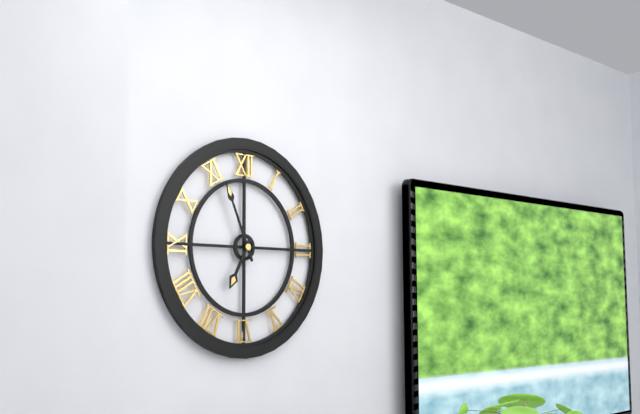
6:56
